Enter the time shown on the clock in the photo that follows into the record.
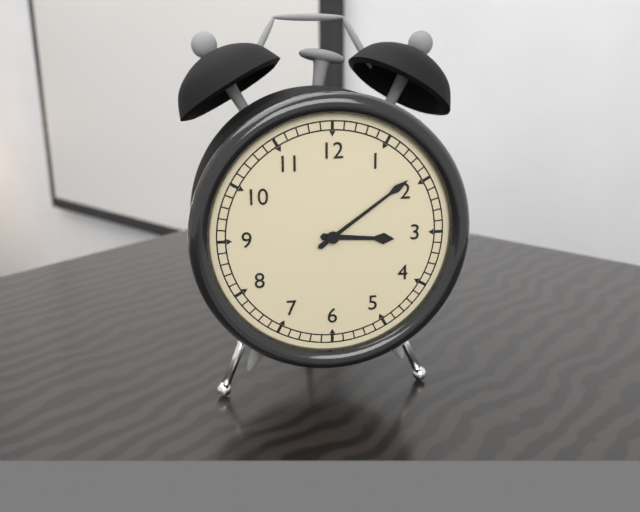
3:09
